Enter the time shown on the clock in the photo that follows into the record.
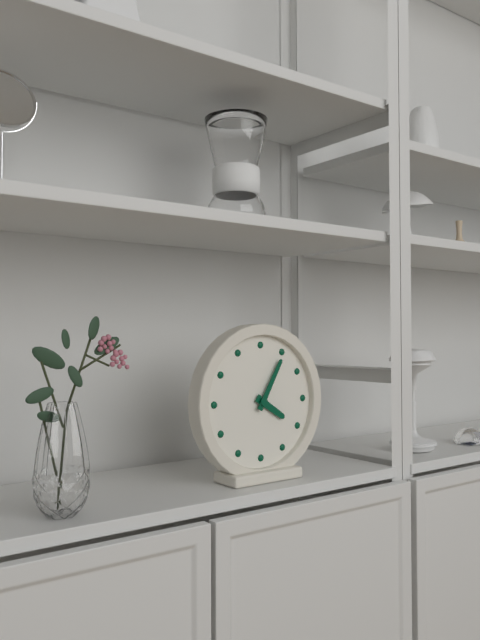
4:05
